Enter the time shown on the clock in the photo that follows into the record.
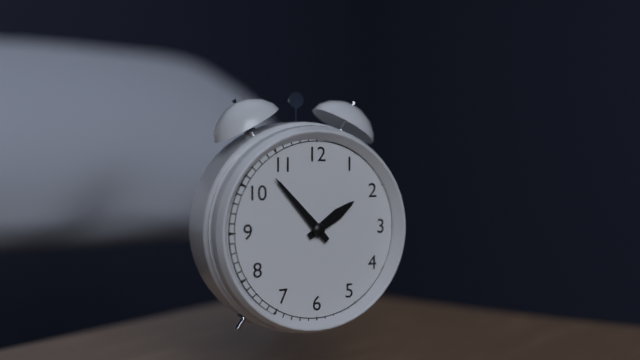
1:53
